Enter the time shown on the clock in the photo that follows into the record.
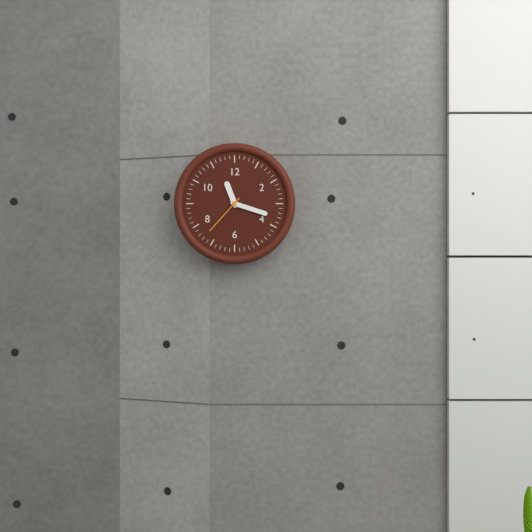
11:18
